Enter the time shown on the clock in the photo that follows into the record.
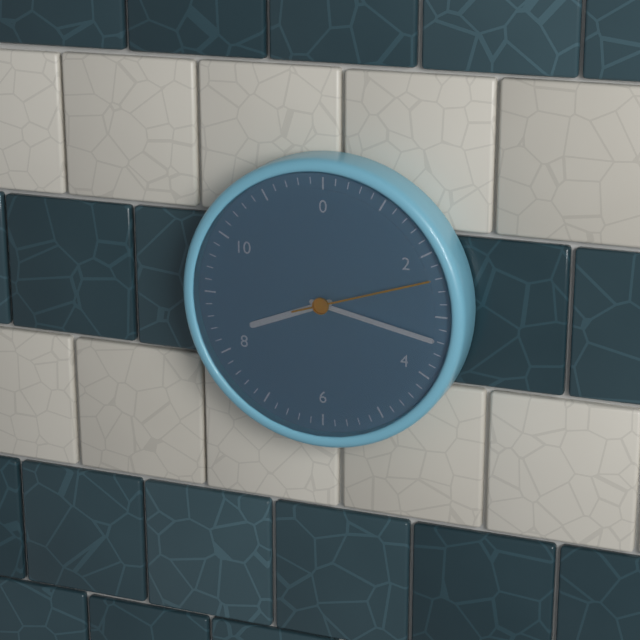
8:17:12
